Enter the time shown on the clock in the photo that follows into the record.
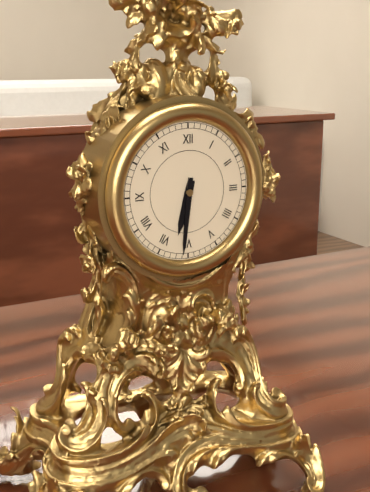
6:31
